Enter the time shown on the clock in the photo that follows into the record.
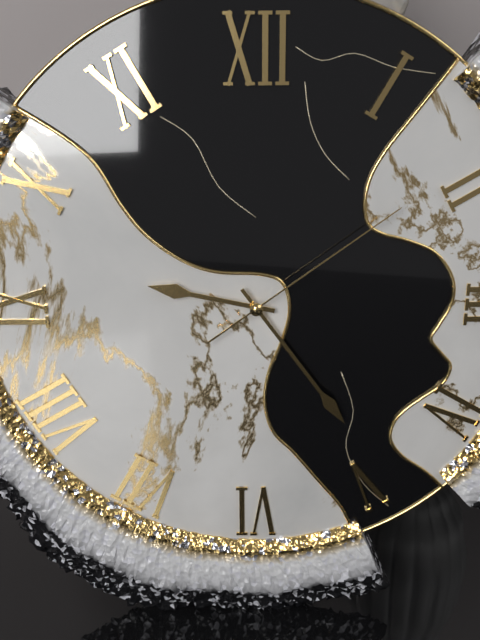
9:24:09
